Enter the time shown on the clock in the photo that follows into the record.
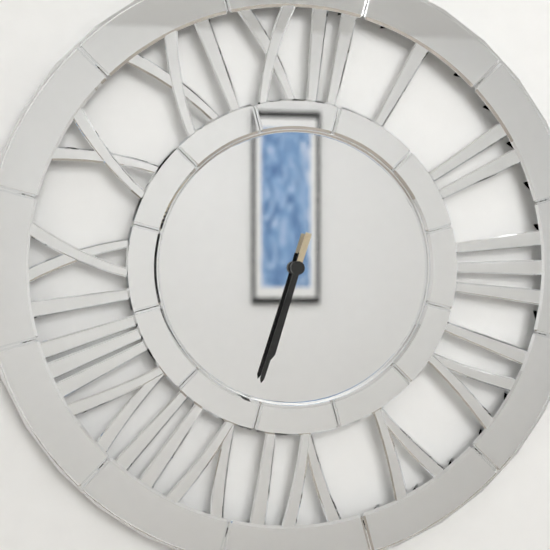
6:33
